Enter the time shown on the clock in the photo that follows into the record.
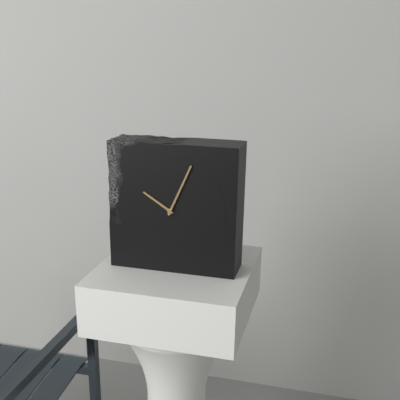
10:04
